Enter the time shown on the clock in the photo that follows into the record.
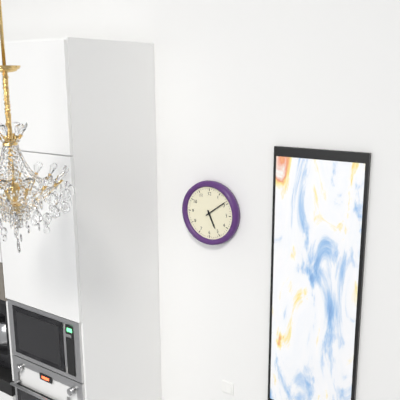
5:09
